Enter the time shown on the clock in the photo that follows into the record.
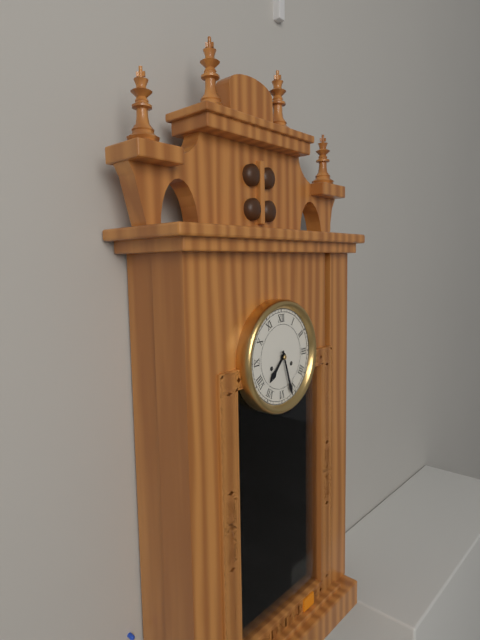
7:27
